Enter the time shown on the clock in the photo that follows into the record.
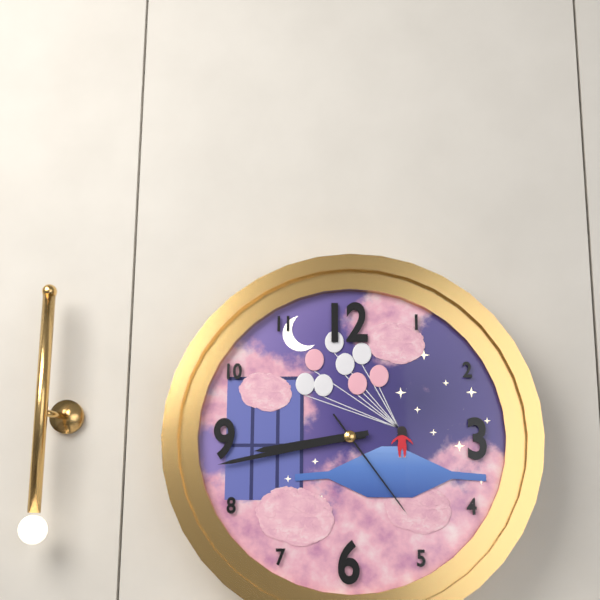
8:43:24
